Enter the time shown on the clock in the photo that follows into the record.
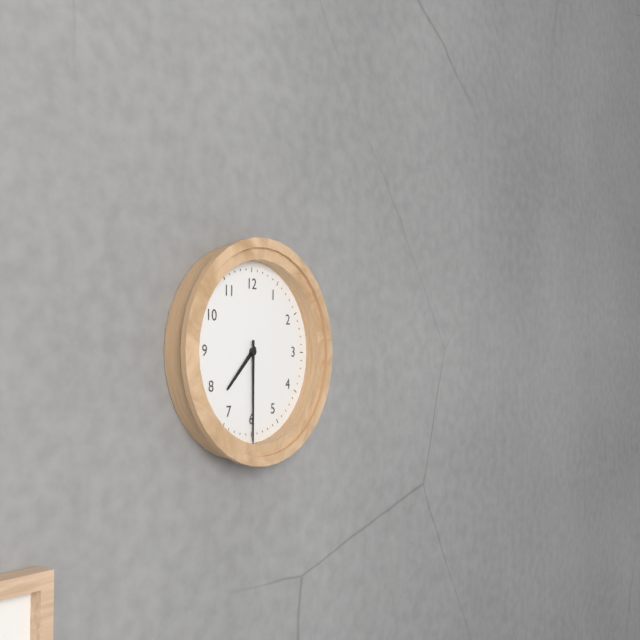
7:30
